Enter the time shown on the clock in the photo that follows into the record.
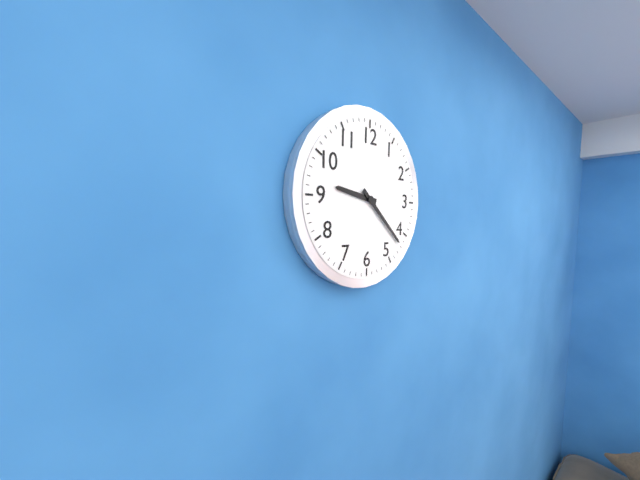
9:22
